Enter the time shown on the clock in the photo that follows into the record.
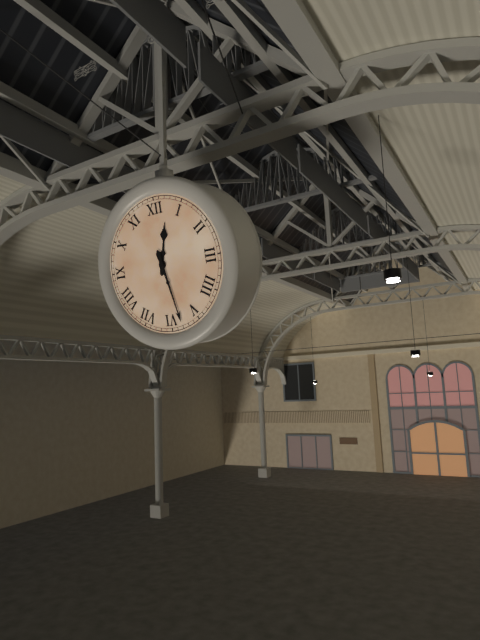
12:28
